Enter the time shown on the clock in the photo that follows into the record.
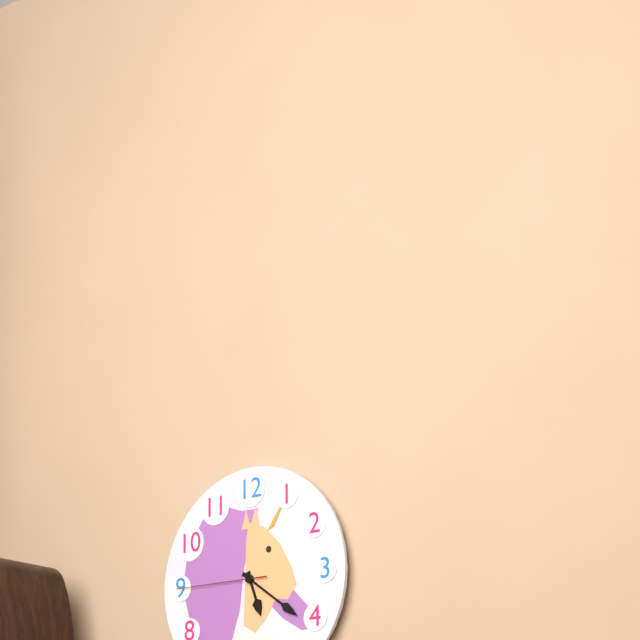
5:21:45
